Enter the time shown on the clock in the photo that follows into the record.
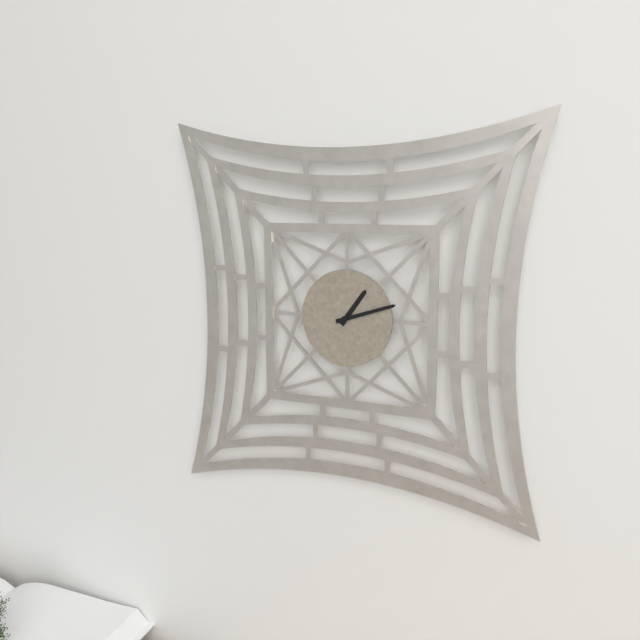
1:12
